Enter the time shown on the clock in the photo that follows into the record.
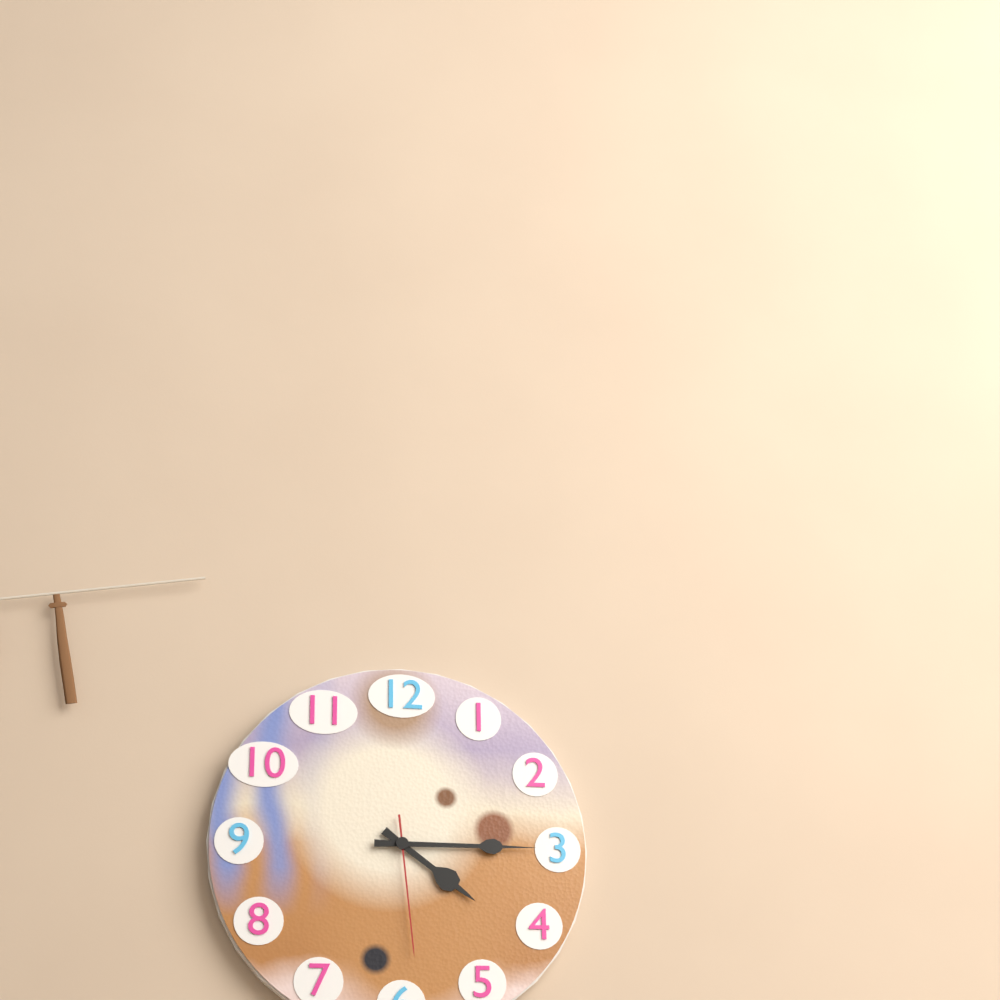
4:15:29
